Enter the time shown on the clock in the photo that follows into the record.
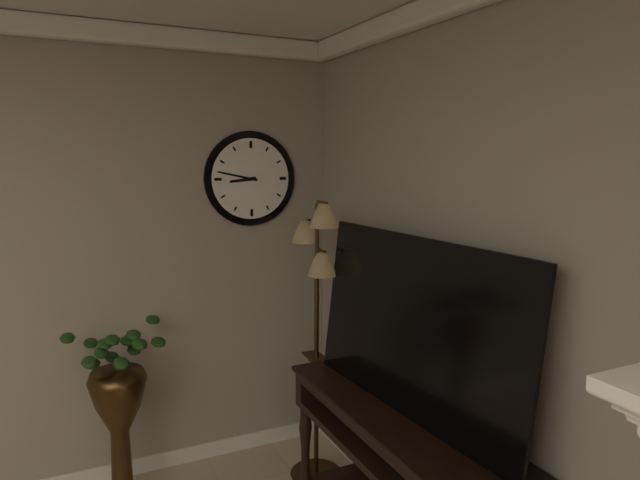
8:47
